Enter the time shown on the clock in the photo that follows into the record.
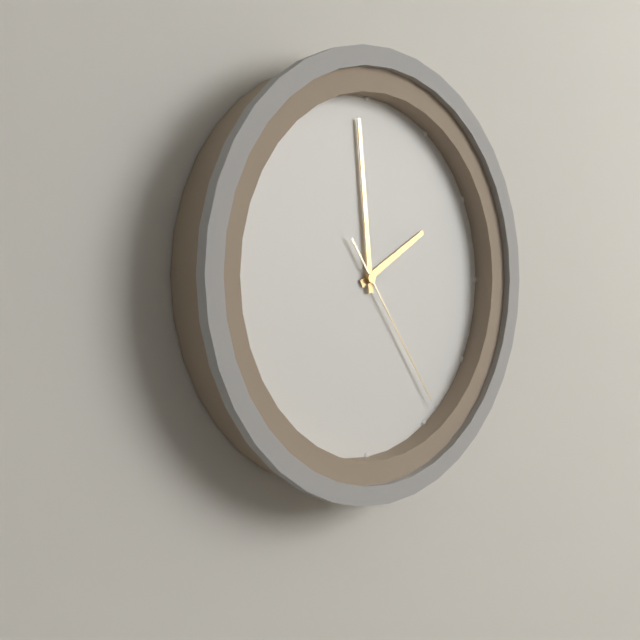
1:59:24
